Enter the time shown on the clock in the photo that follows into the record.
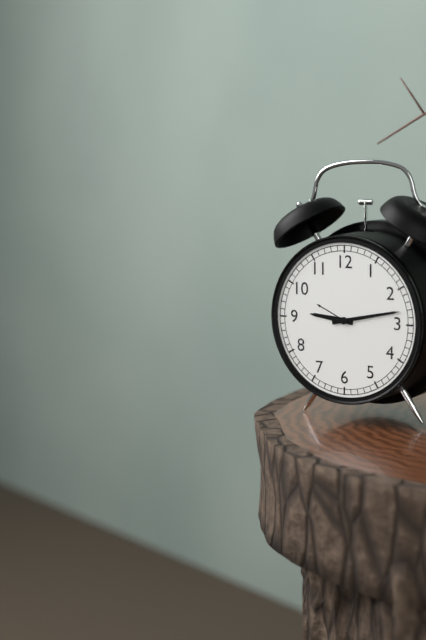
9:13
